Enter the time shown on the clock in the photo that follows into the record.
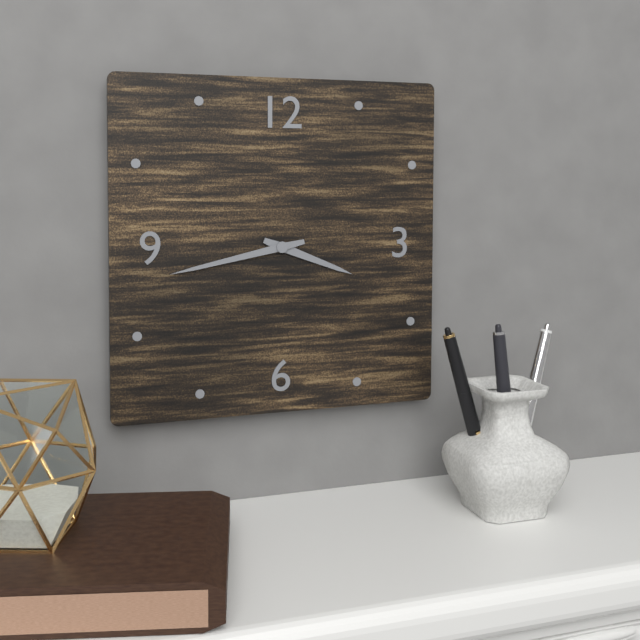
3:43
